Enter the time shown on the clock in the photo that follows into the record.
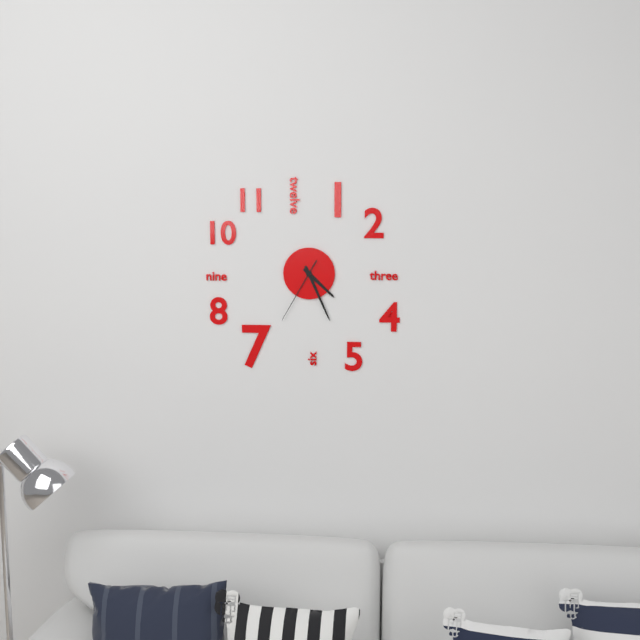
4:26:35
